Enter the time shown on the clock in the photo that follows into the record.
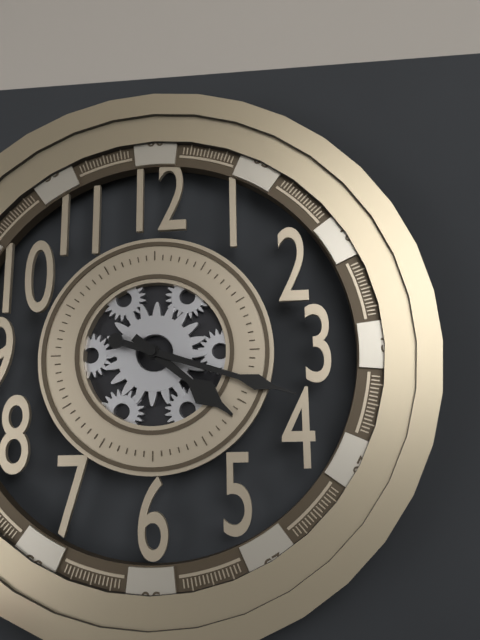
4:18
